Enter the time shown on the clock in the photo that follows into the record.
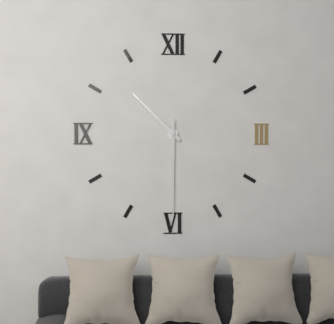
10:30
